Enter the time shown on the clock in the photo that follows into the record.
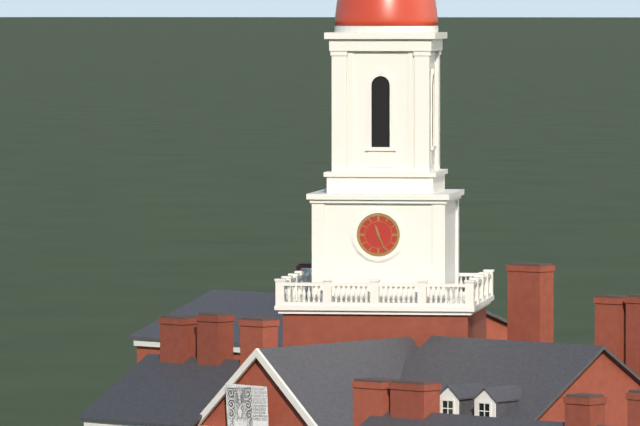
11:26
